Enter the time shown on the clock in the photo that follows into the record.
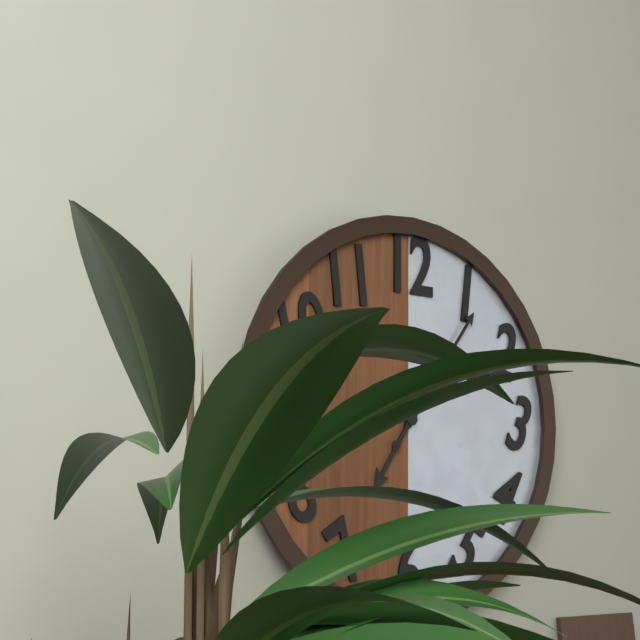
7:06
